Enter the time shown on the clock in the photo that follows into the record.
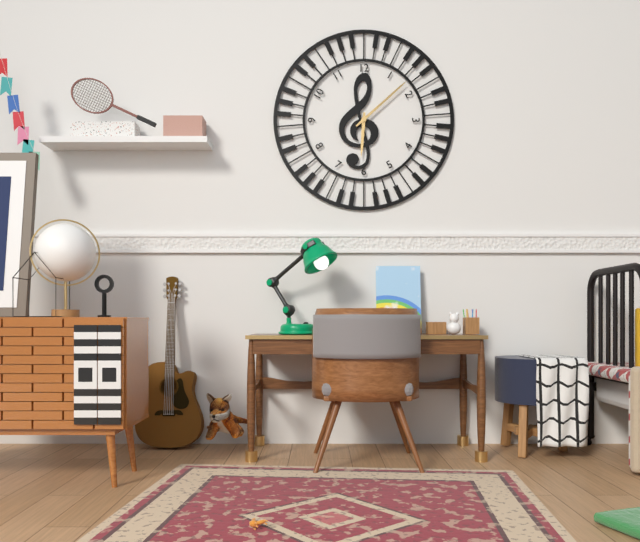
6:08
